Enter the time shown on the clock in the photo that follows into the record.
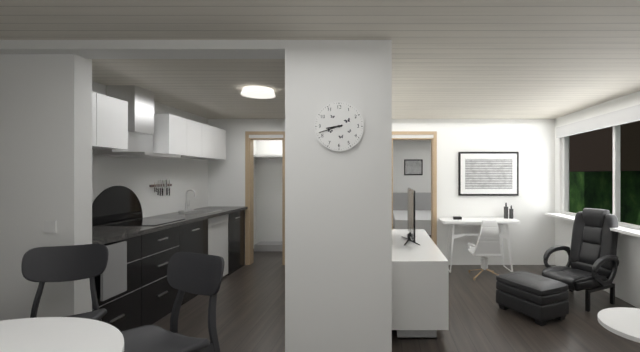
8:42
